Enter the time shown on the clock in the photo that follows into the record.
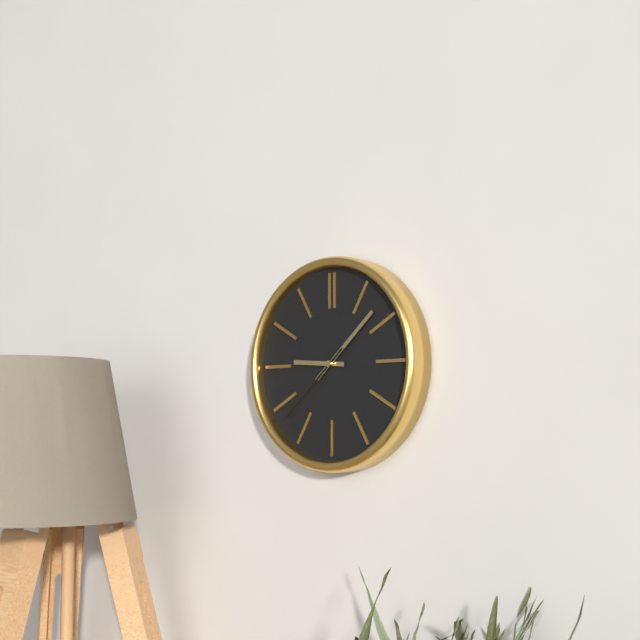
9:08:38
